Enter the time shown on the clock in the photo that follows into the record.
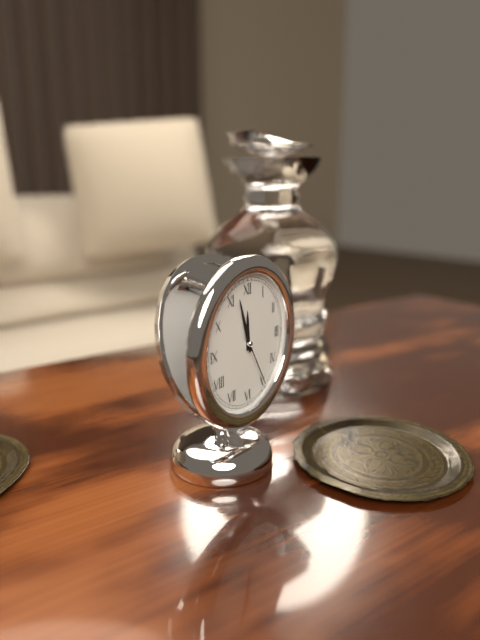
11:57:25
